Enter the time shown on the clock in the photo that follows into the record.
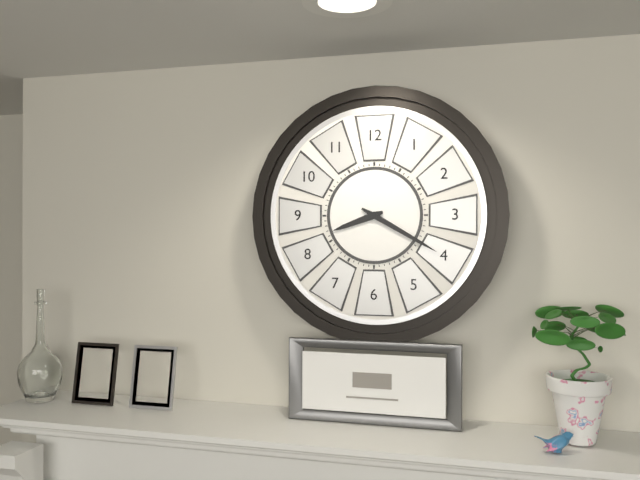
8:20
